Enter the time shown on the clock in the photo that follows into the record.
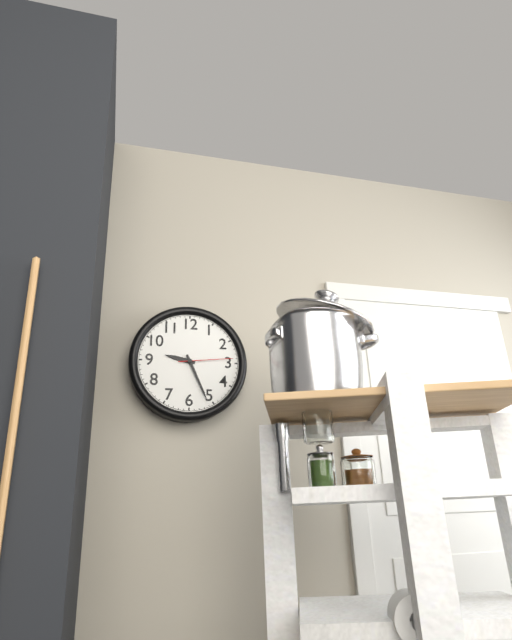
9:26:14
